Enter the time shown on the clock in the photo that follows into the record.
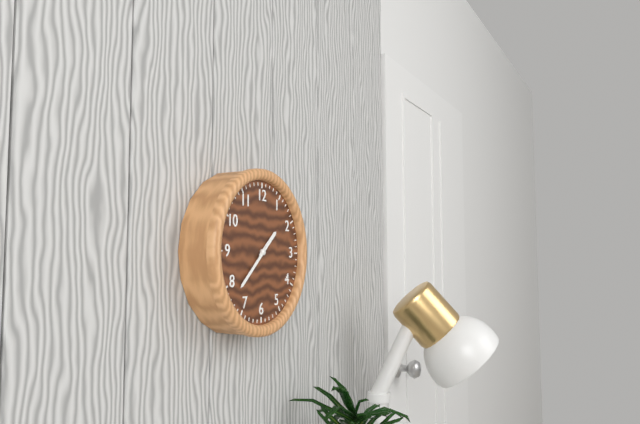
1:38
